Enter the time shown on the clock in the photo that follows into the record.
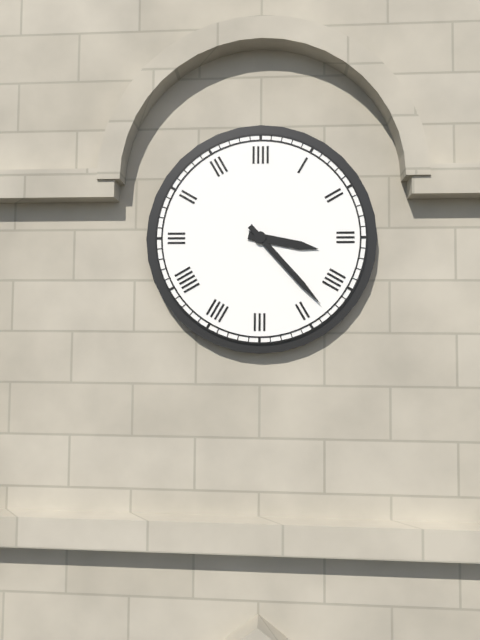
3:23
